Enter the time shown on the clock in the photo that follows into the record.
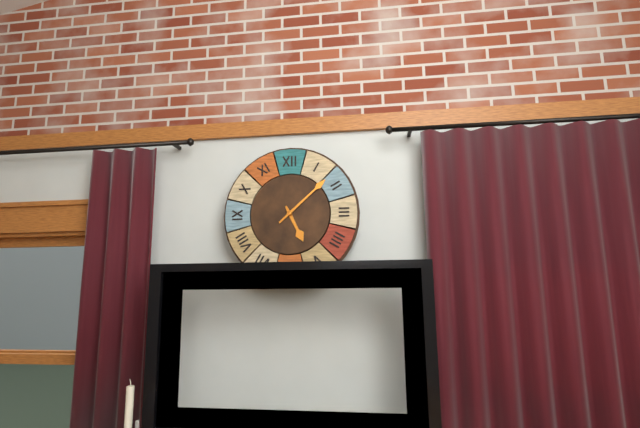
5:08
